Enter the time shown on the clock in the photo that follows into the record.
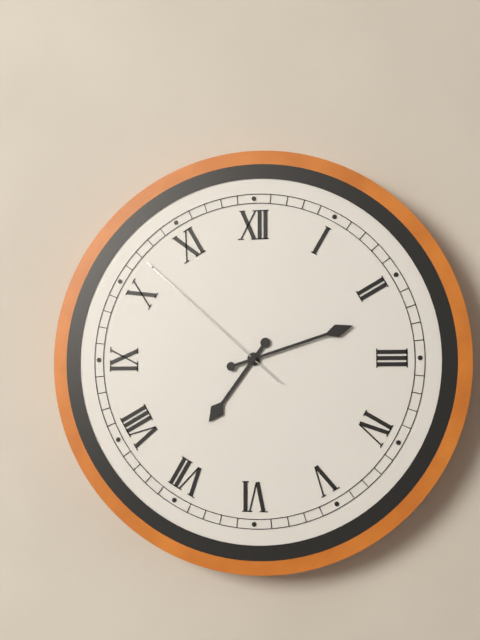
7:12:52
